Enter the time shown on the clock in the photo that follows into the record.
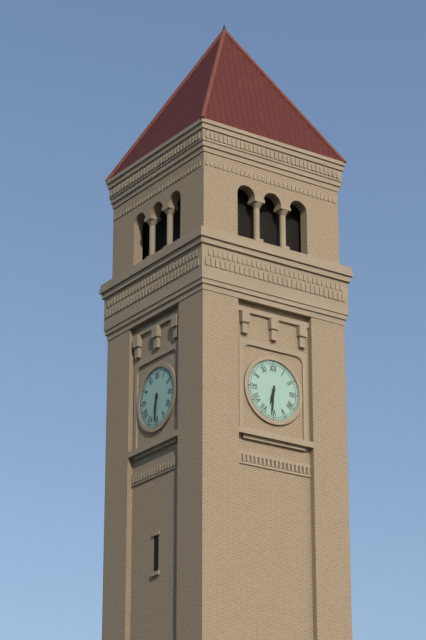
6:31
